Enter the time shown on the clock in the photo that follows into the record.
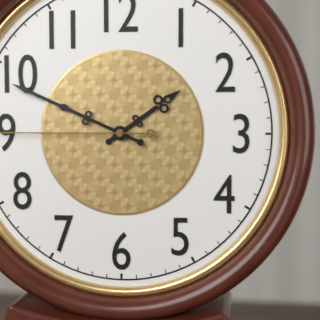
1:49
